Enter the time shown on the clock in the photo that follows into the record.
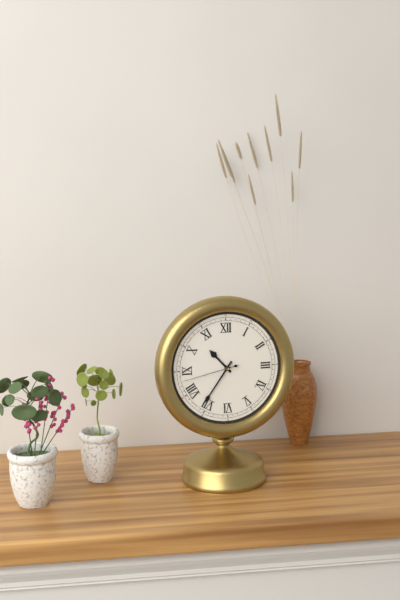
10:36:43
